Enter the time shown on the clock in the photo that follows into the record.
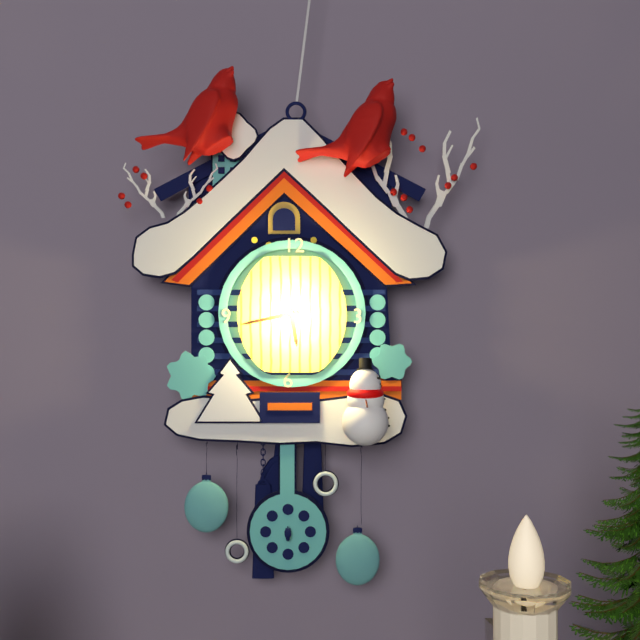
5:43
